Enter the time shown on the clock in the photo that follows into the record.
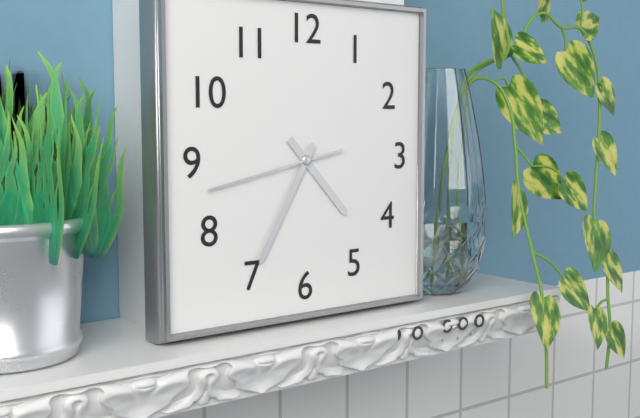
4:35:43
